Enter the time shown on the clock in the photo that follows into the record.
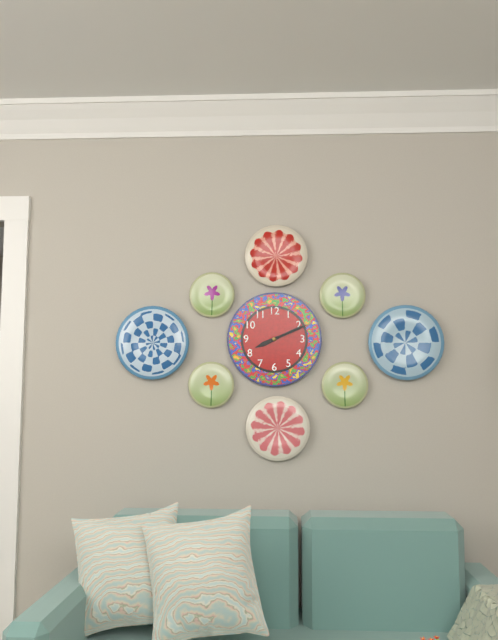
8:11
